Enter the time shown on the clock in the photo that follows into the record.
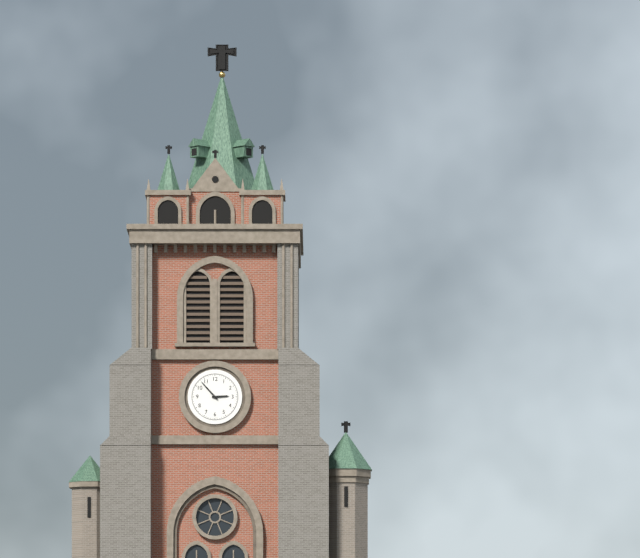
2:53
